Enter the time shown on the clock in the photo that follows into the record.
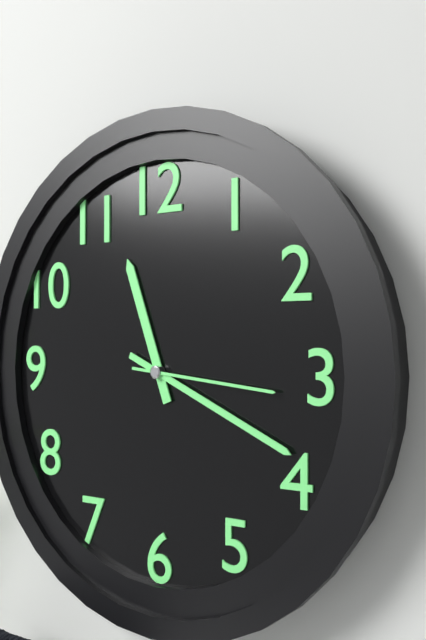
11:19:16
